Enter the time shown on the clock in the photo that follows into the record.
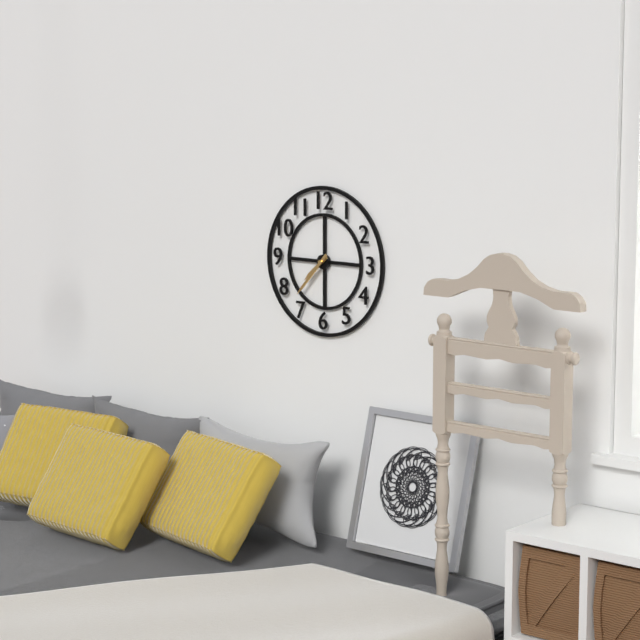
7:37
